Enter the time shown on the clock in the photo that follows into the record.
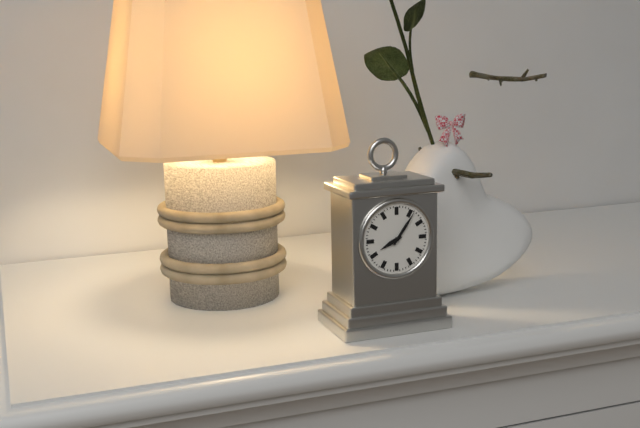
8:06
